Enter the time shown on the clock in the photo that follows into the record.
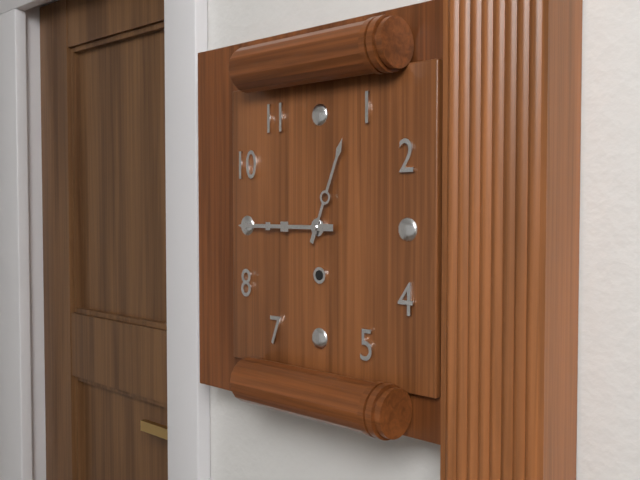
12:45
